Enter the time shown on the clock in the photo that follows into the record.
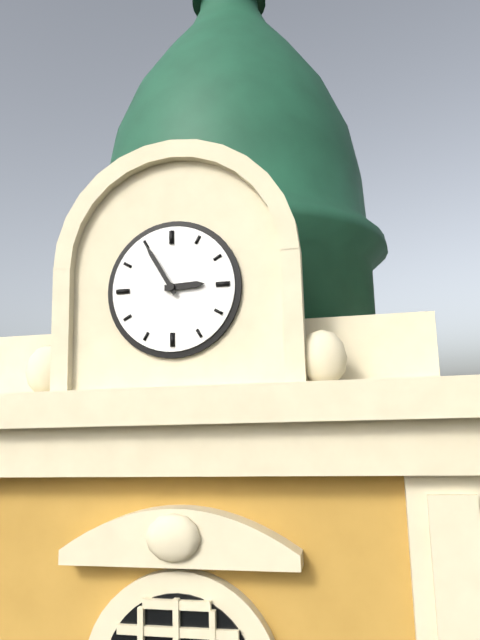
2:55
